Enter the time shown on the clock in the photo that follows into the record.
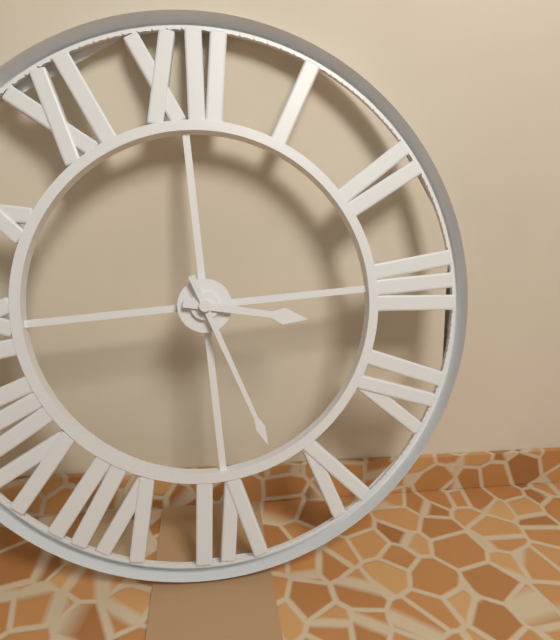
3:27
